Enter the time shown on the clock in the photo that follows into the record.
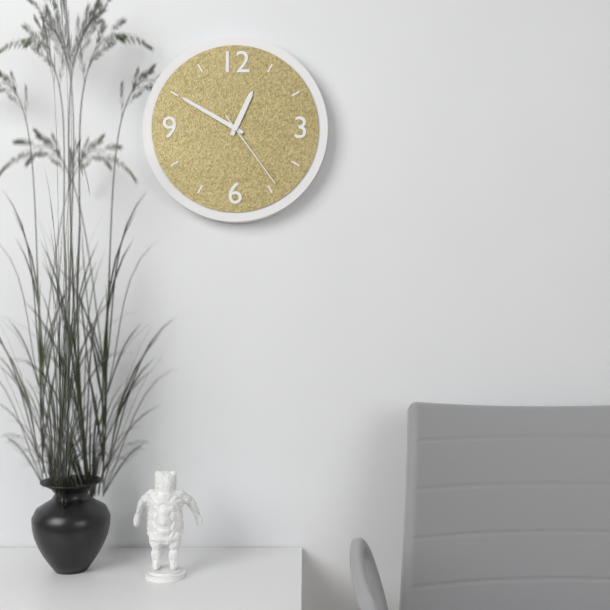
12:50:24
